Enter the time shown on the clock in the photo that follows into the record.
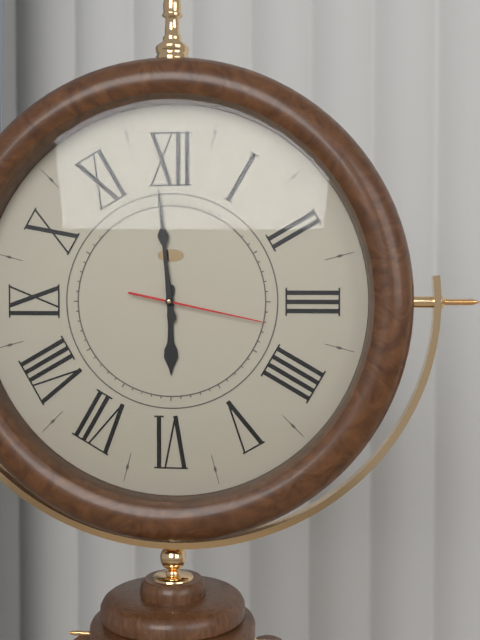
5:59:17
